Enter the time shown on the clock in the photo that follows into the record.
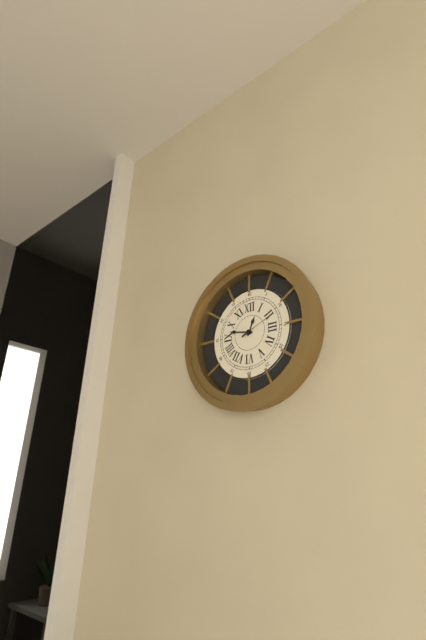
12:47
